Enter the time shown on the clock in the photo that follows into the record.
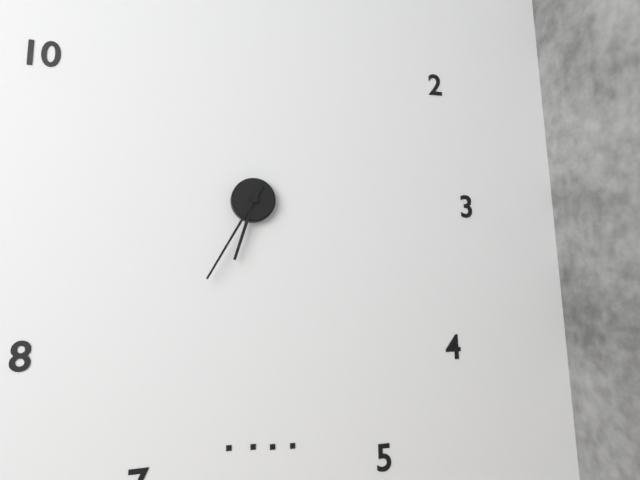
6:35
